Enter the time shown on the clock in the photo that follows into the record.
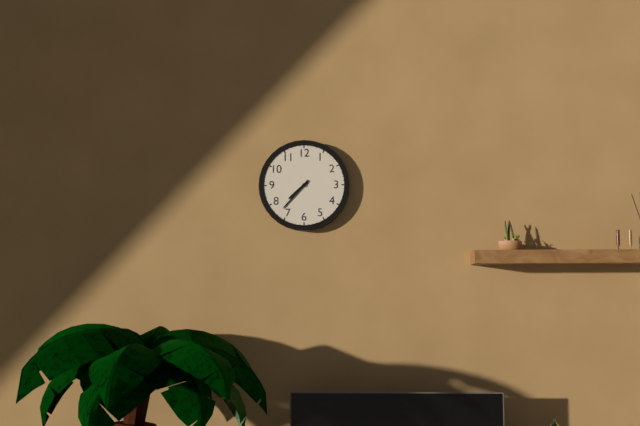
7:37
